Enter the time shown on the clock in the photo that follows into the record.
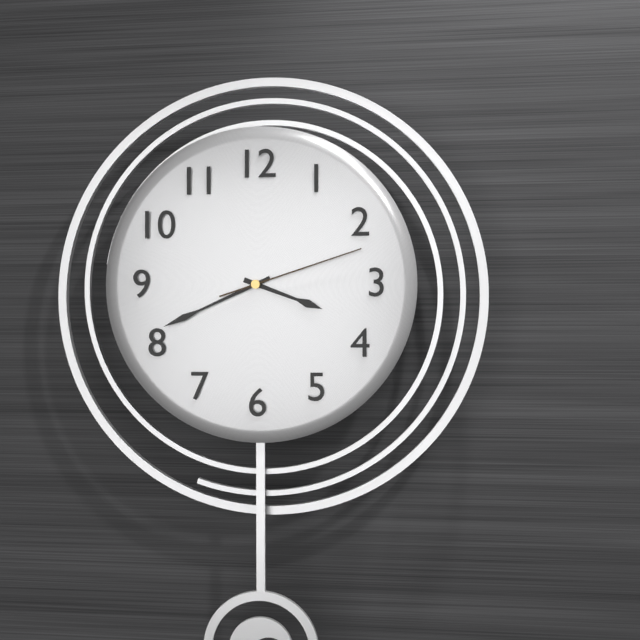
3:41:12
